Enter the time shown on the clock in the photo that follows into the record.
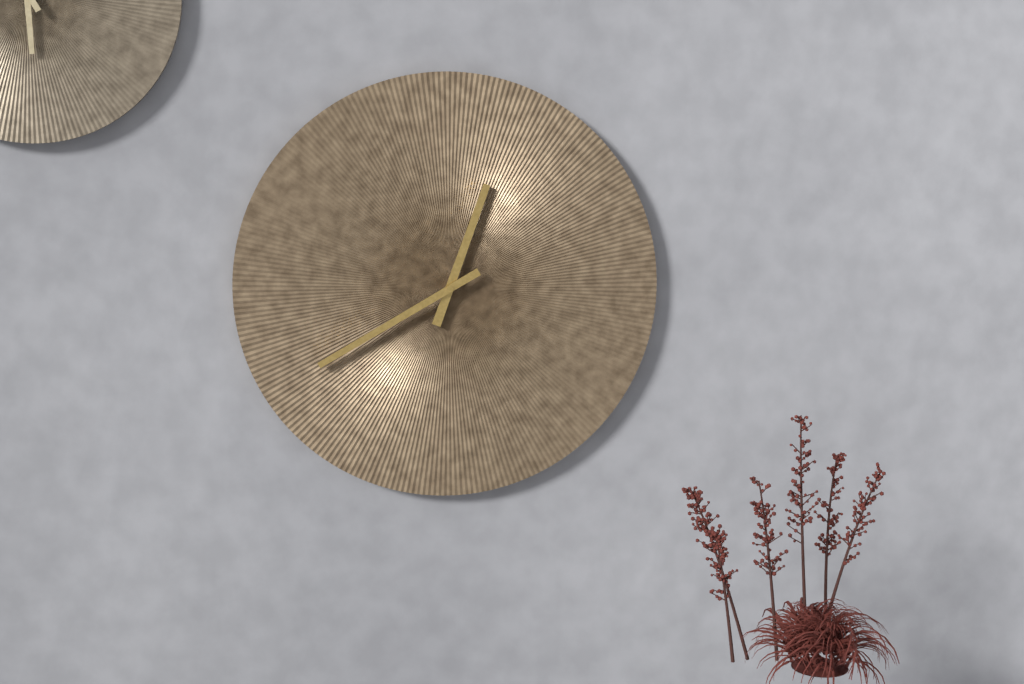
12:40
